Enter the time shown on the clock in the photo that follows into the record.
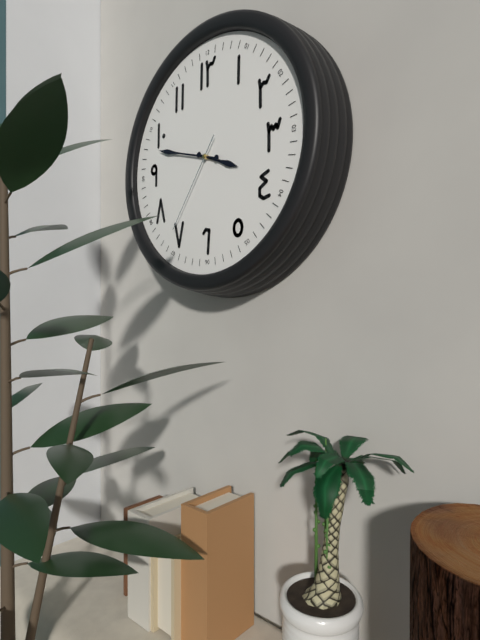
3:48:36
